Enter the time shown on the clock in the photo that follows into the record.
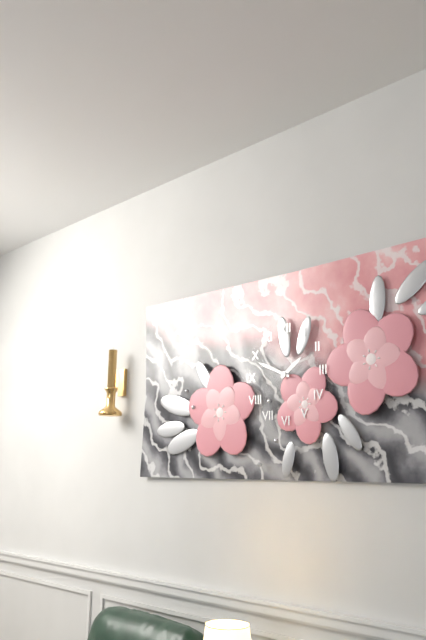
1:49
